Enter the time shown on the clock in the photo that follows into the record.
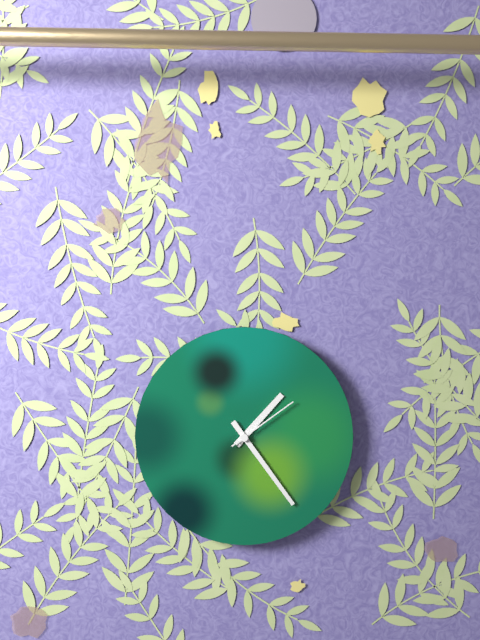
1:24:09
